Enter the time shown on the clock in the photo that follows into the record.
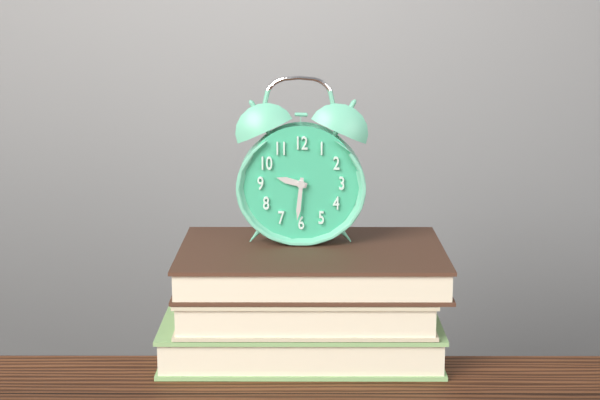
9:31
